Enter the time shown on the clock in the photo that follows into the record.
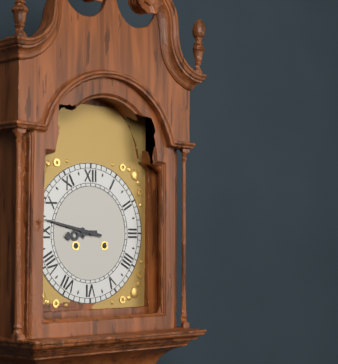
8:47
